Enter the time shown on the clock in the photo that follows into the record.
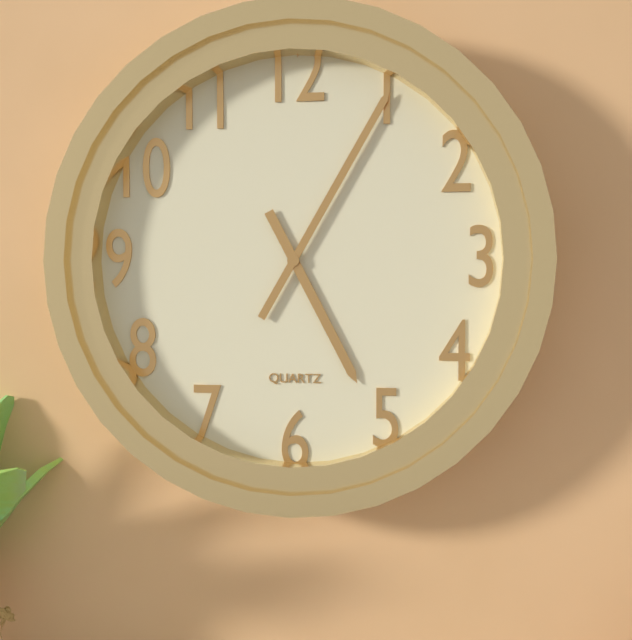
5:05
